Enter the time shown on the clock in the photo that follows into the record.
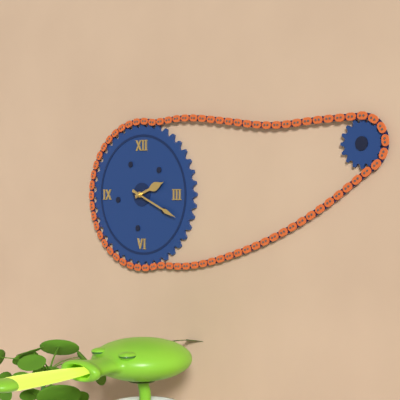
2:19
